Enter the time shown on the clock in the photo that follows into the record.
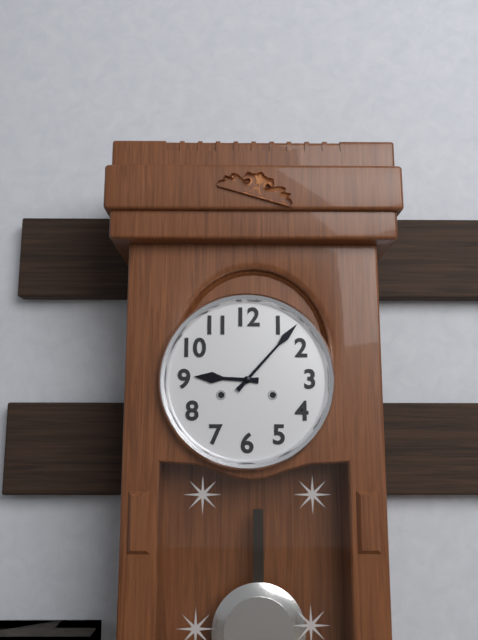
9:07
